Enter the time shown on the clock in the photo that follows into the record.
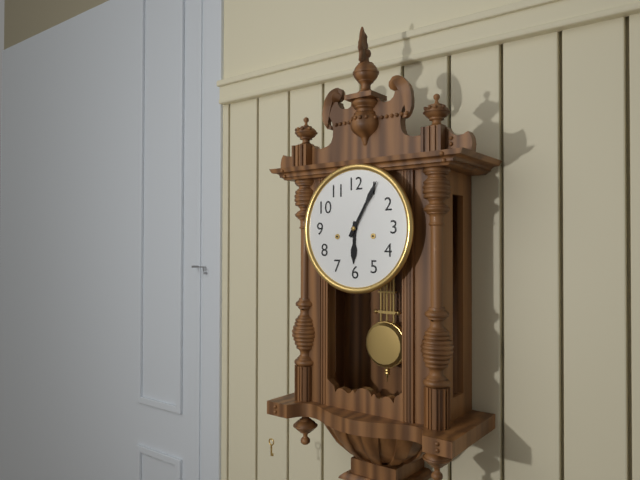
6:05
